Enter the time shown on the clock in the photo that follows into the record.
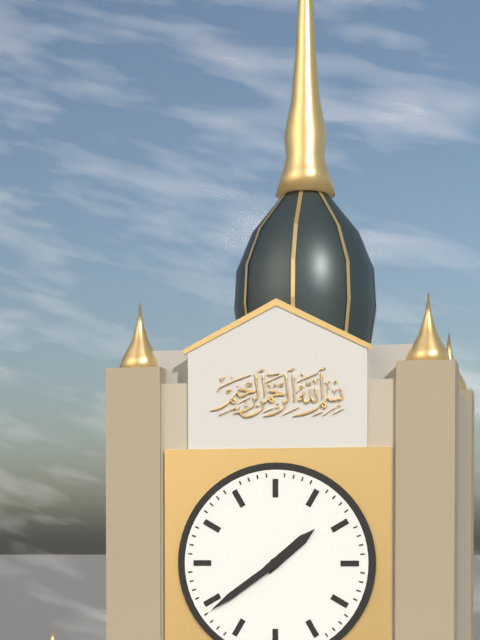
1:39
